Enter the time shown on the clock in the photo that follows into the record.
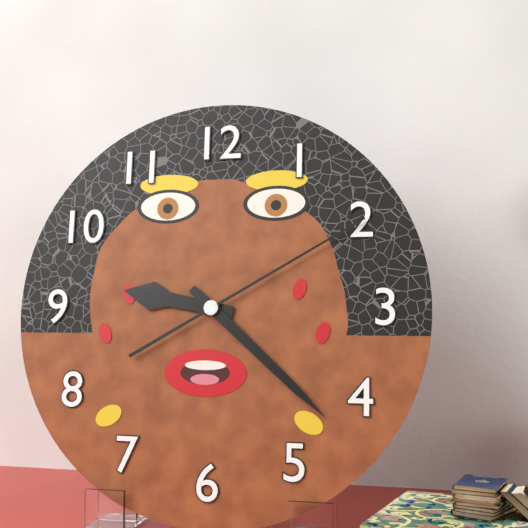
9:22:10
